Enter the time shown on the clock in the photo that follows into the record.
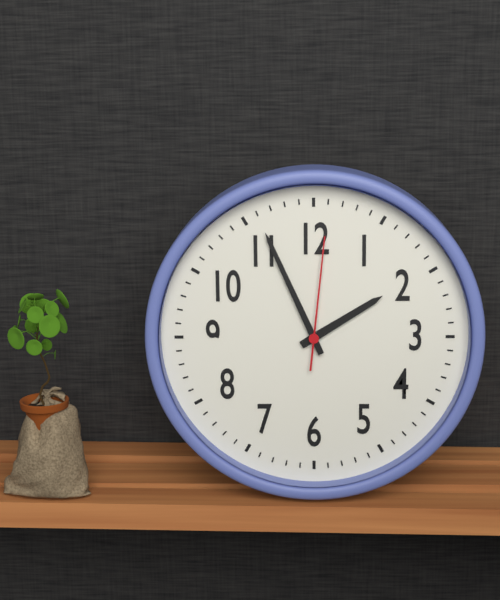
1:56:01
